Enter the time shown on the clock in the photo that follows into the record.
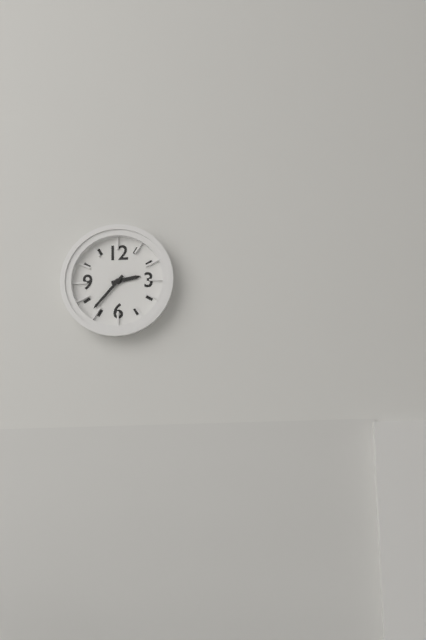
2:37
